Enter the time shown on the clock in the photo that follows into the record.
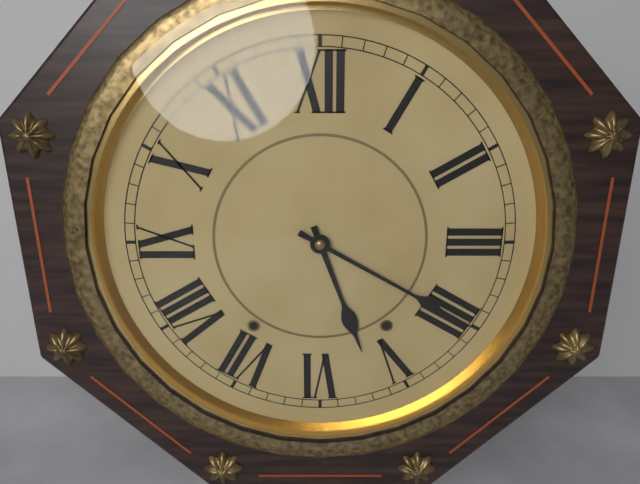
5:20
